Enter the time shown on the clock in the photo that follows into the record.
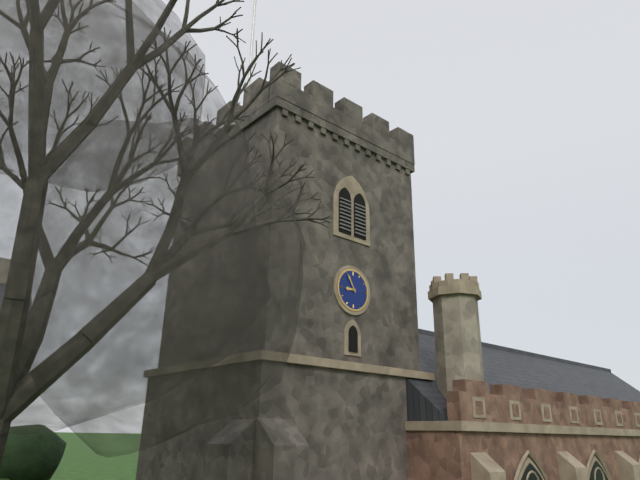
8:55
